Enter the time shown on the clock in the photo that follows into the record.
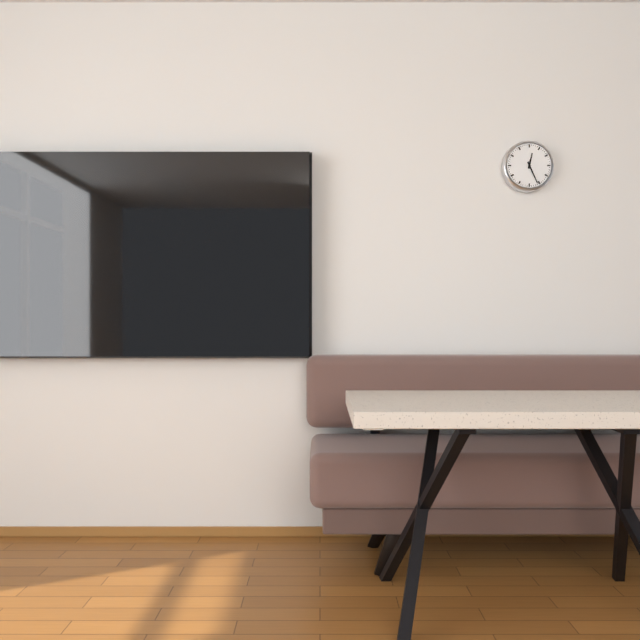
12:26
